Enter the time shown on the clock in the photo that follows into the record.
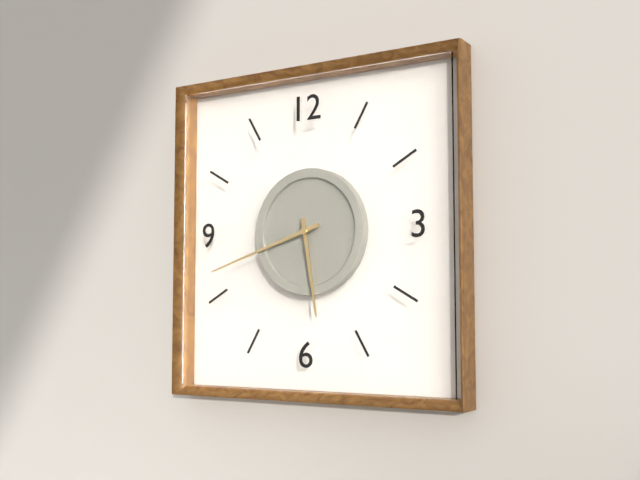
5:42
